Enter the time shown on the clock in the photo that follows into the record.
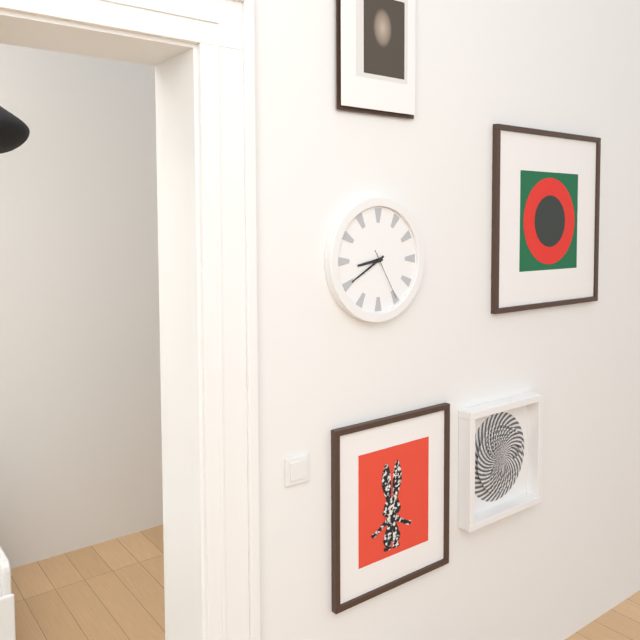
8:40:25
